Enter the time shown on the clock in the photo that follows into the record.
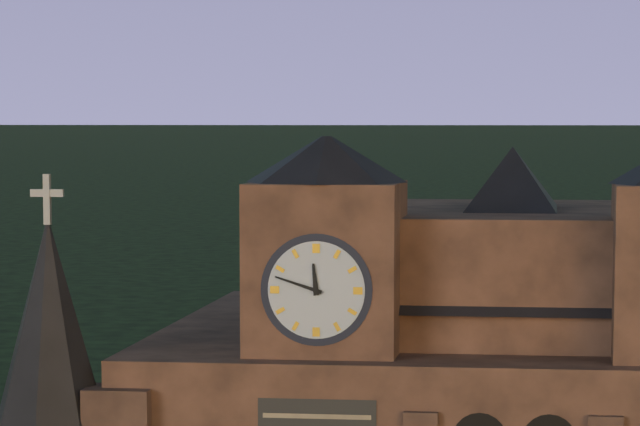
11:48
